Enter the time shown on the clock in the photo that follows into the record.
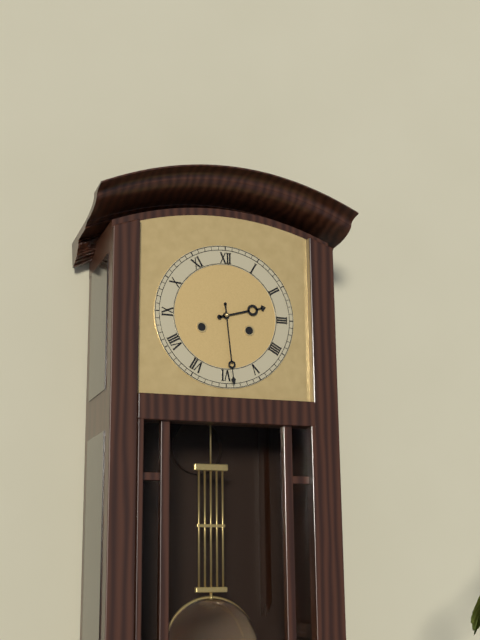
2:29
